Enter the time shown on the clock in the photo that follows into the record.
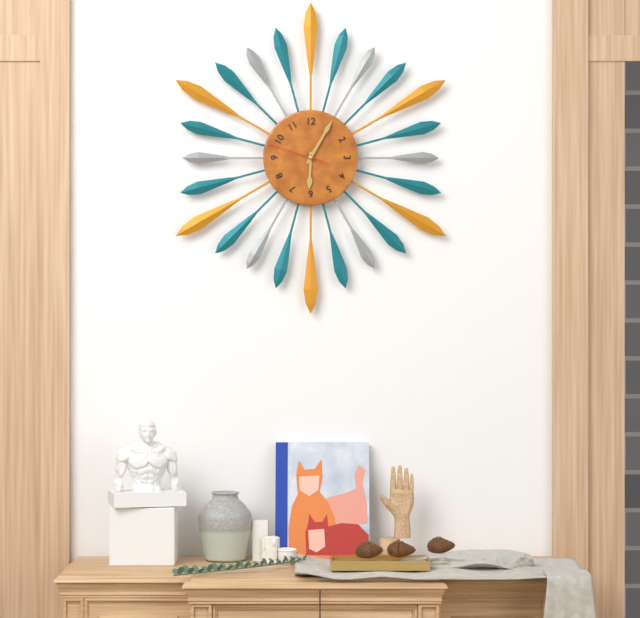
6:05:48
